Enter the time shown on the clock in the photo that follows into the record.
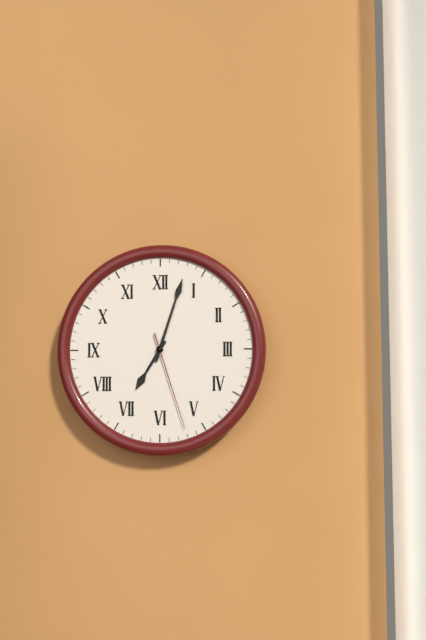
7:03:27
